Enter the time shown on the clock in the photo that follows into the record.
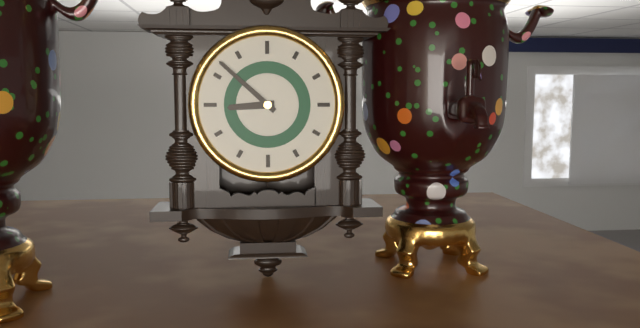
8:52
